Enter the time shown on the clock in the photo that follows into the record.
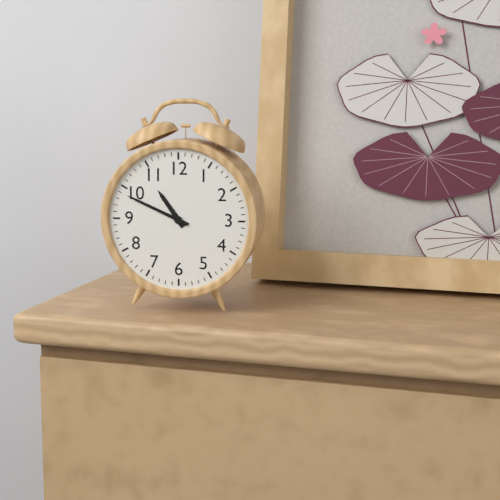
10:49
